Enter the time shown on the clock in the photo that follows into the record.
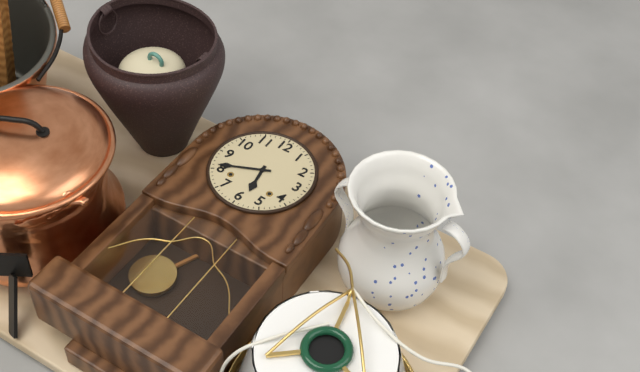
5:41
